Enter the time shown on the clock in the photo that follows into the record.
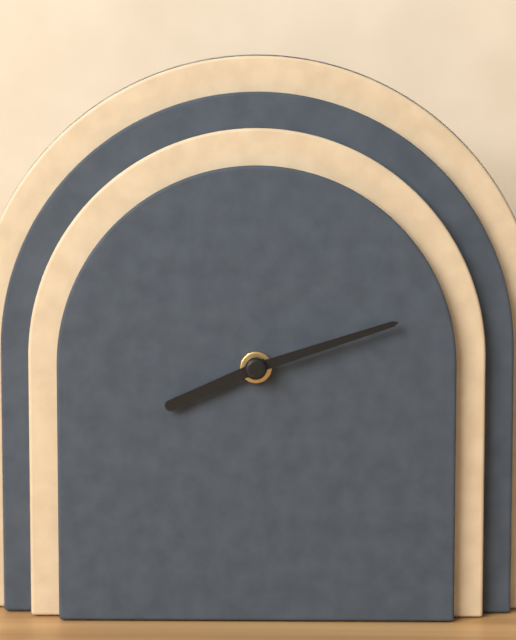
8:12
